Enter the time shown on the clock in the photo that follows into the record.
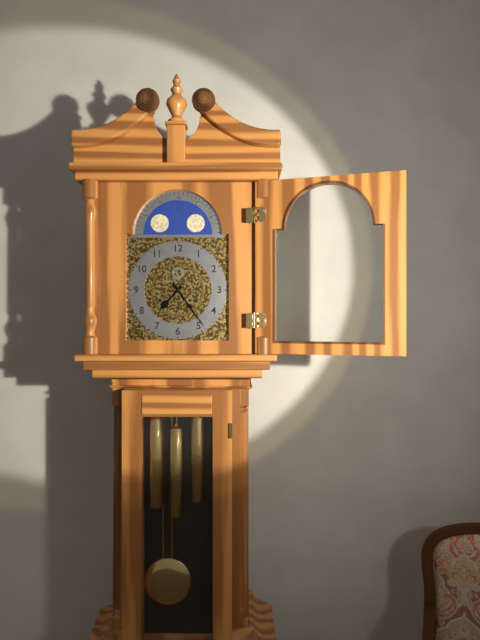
7:24
